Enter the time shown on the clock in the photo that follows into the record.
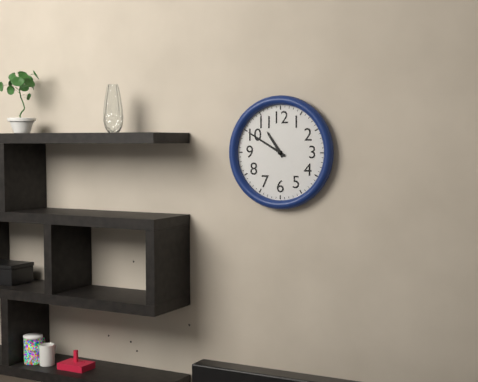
10:50
